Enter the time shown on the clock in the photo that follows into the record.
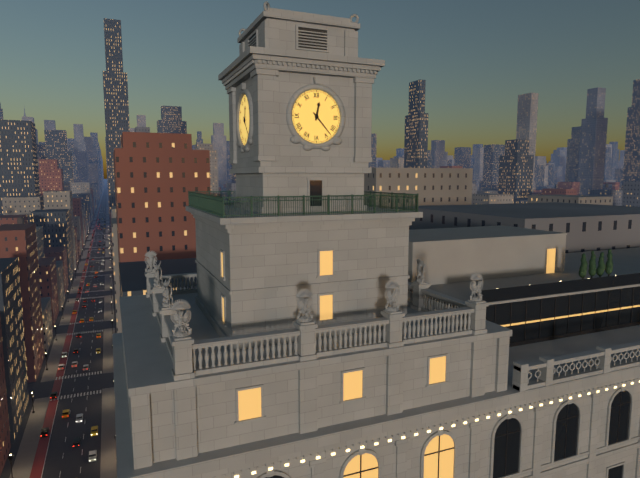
12:23
